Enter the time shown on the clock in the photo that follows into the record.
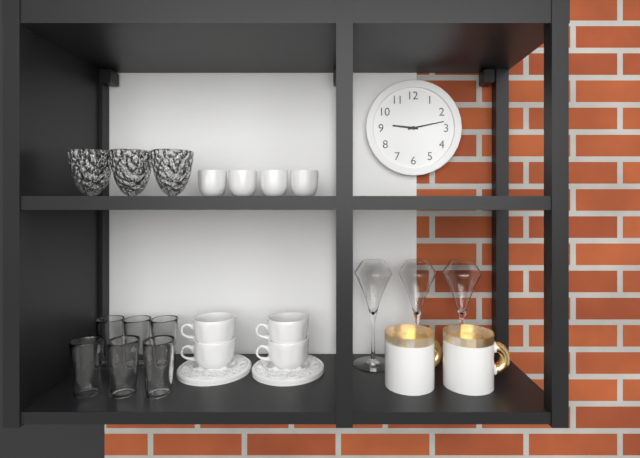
9:13
